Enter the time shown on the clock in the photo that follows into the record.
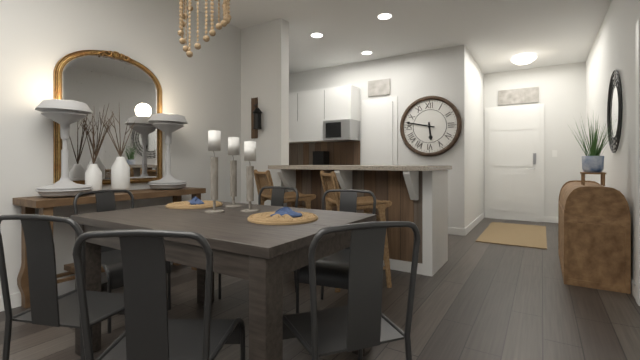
5:47
